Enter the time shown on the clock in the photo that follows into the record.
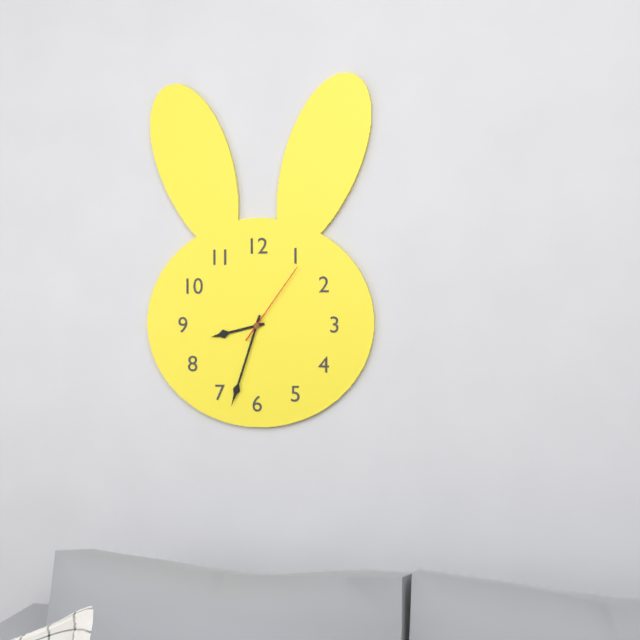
8:33:06
